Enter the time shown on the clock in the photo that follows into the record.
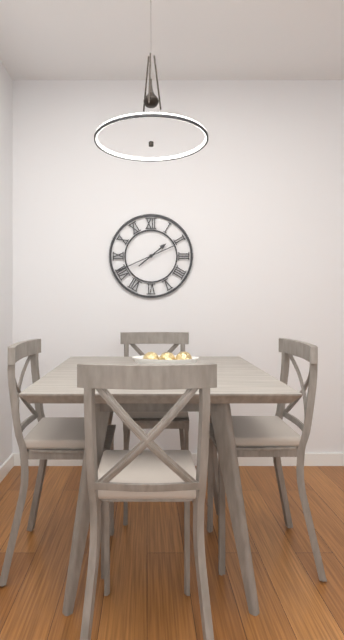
1:41
